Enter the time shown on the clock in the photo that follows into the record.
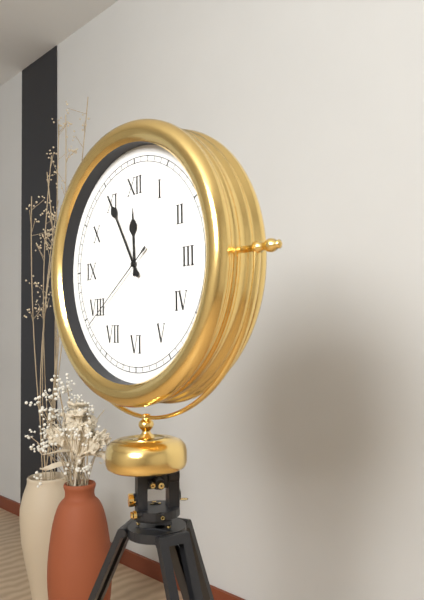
11:55:39
